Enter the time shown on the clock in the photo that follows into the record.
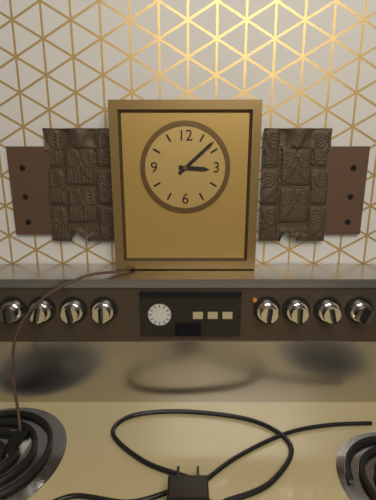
3:08
